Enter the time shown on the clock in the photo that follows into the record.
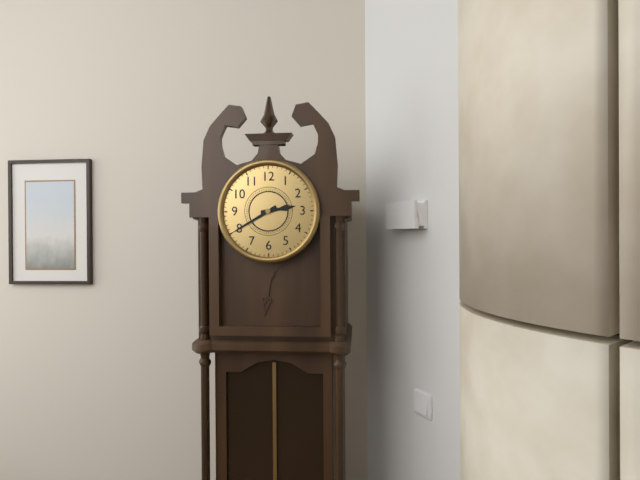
2:40
